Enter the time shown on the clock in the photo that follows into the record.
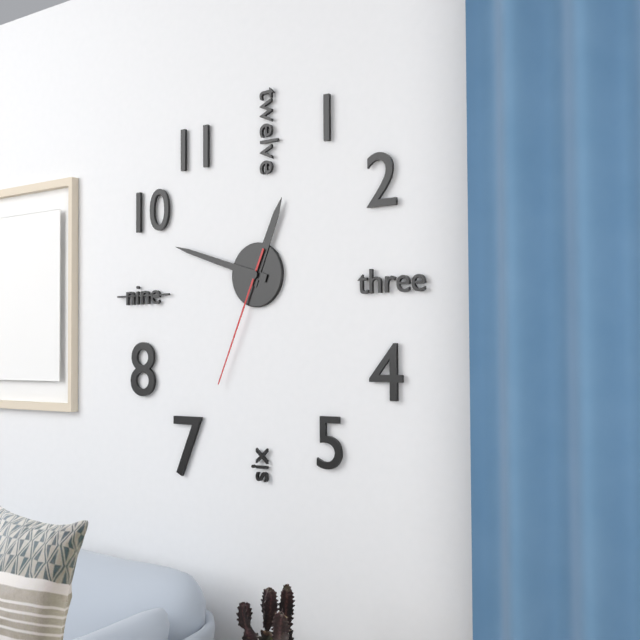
12:48:34
